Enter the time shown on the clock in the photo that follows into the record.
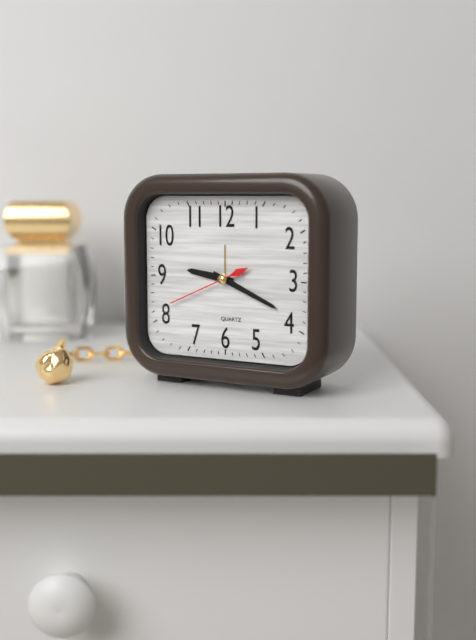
9:19:41
